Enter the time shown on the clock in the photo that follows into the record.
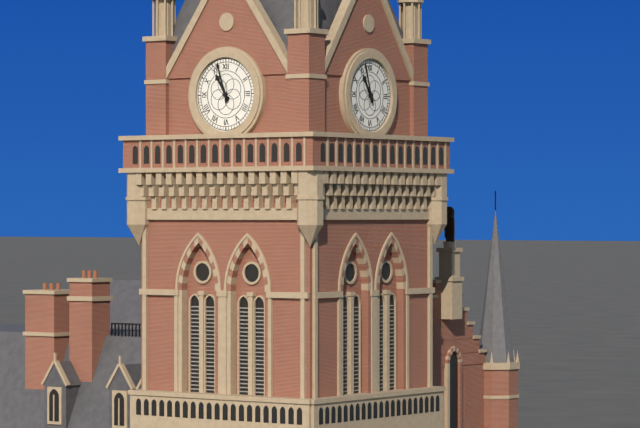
10:57
